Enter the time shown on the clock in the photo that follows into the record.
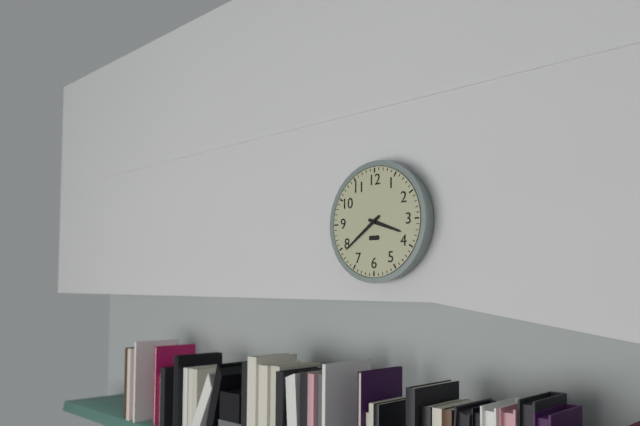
3:39
